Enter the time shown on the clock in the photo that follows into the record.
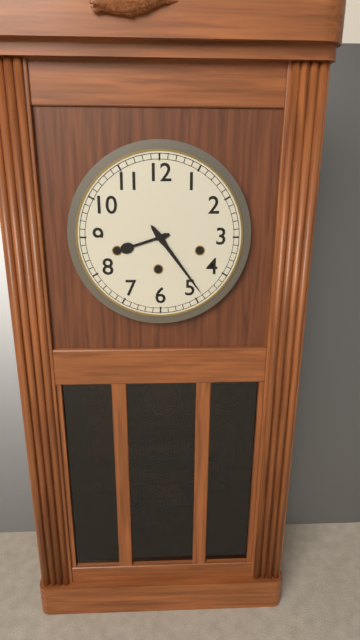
8:24
